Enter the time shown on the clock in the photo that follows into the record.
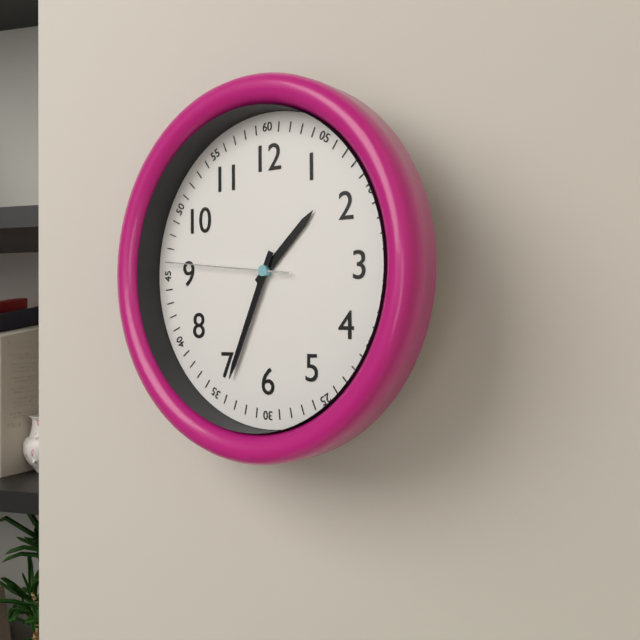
1:34:46
